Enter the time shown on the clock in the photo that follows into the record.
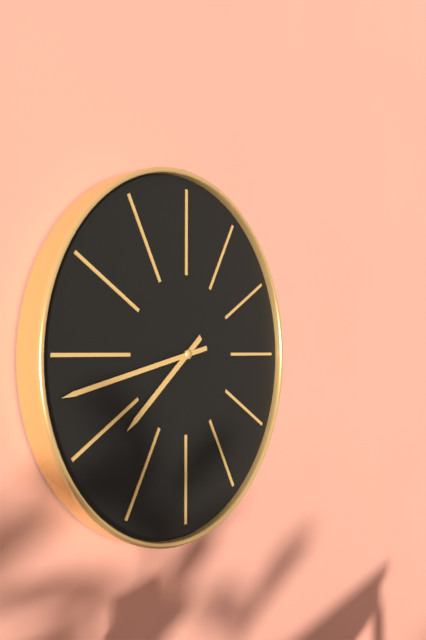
7:43
